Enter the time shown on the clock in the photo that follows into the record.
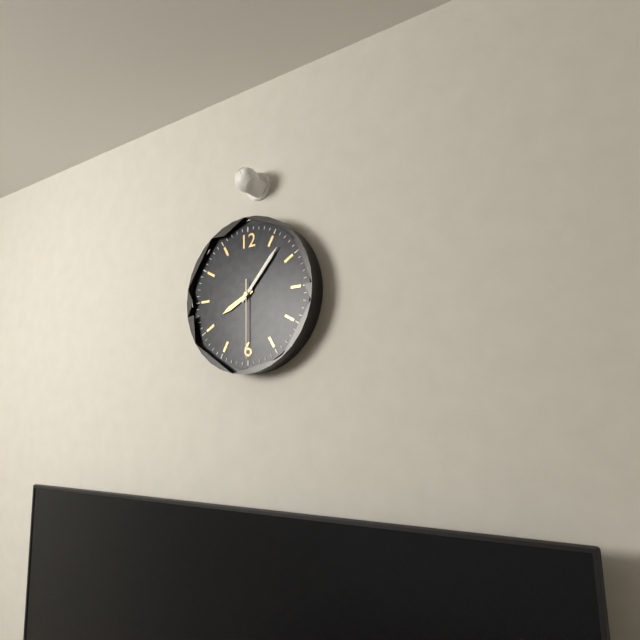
8:07:30
